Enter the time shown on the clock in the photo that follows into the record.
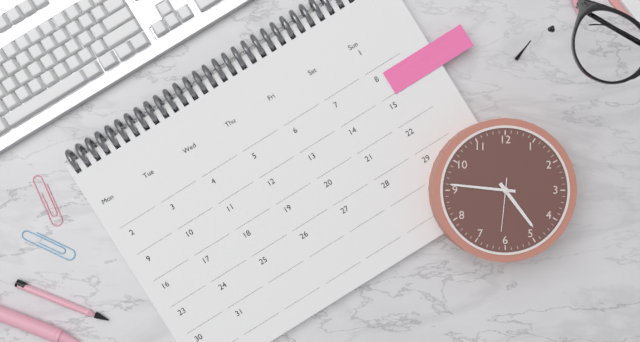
4:46:31
